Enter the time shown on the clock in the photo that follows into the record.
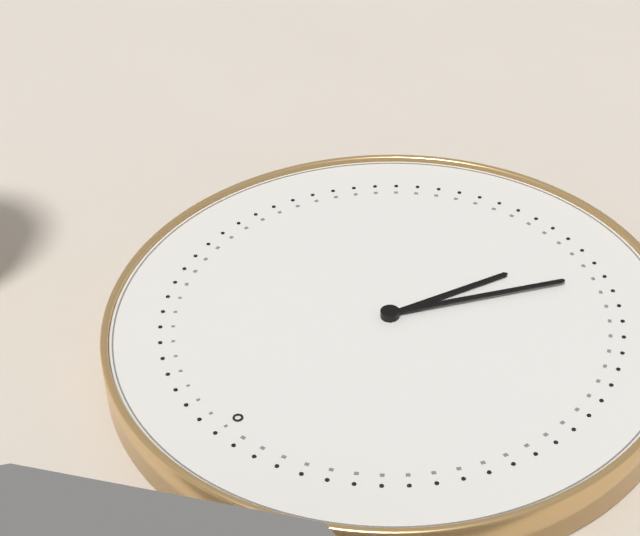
6:35
